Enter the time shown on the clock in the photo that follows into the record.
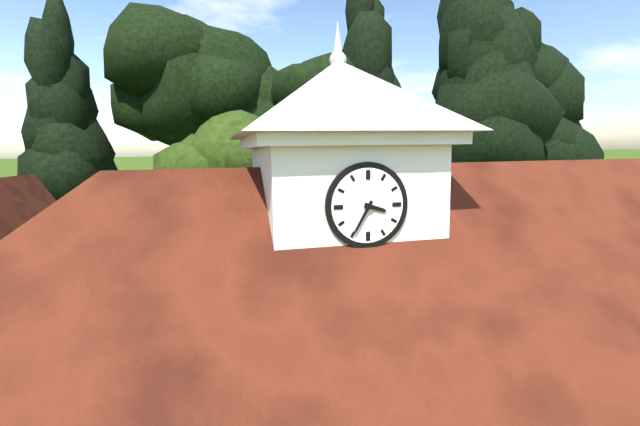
3:35
